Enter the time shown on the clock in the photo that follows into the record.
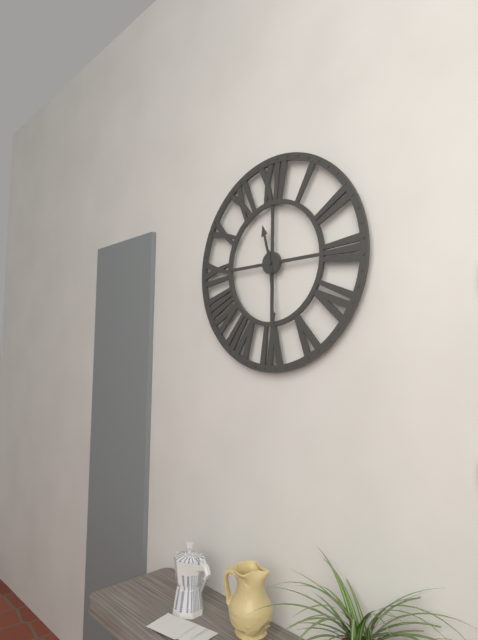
11:29
